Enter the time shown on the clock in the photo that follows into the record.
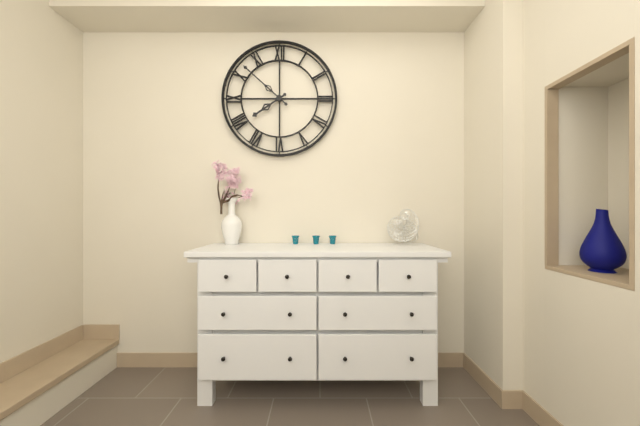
7:52
